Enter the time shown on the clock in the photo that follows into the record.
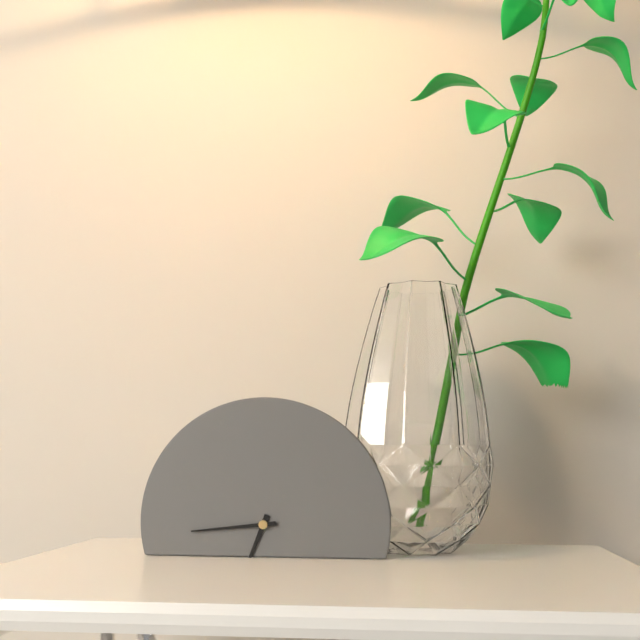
6:44
